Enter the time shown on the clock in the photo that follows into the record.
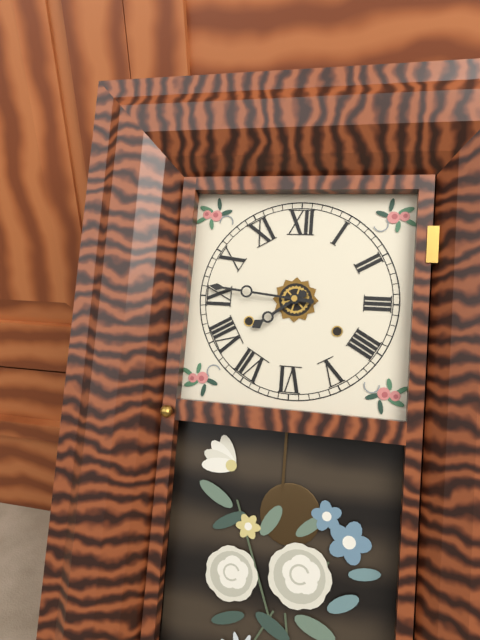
7:46
